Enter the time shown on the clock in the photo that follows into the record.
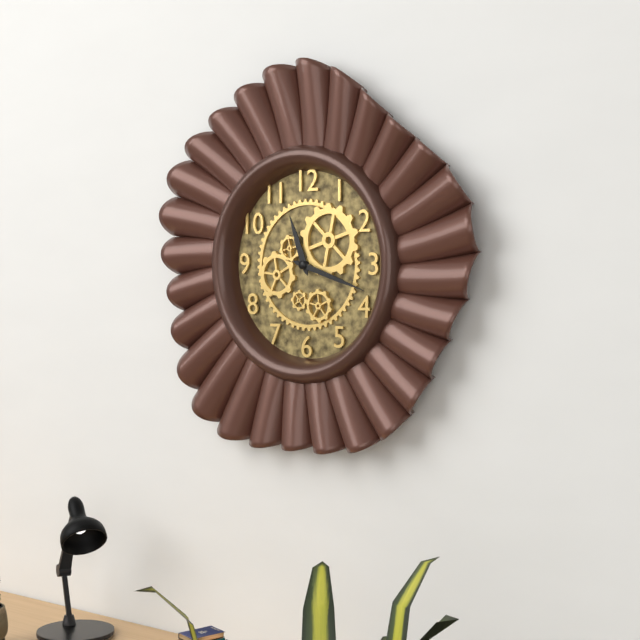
11:18
